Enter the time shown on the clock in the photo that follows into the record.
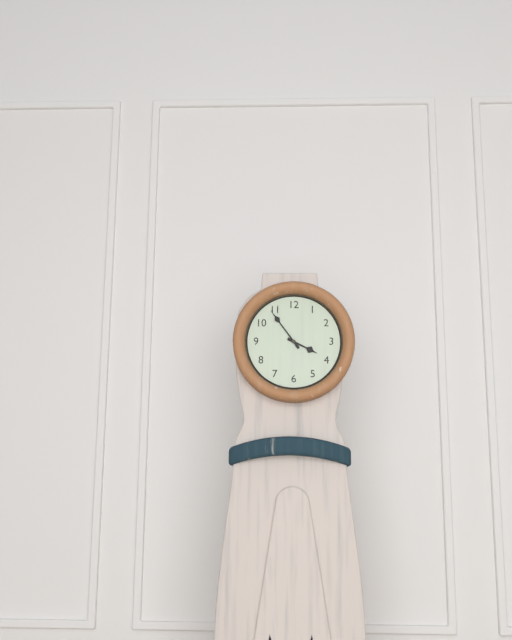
3:54
